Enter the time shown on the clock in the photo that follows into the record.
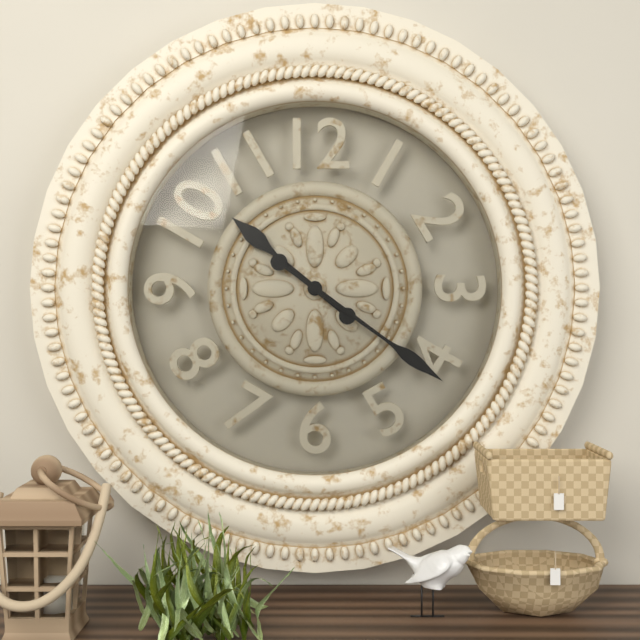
10:21
